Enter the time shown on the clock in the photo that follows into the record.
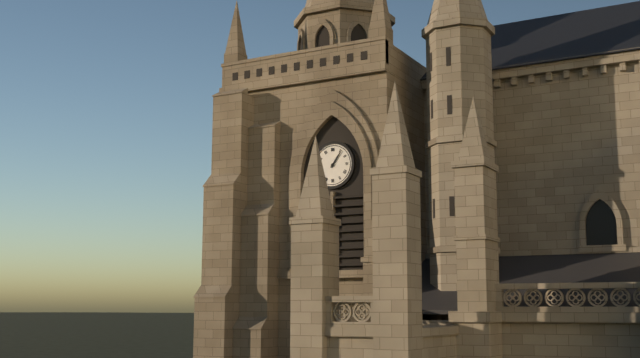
1:06
